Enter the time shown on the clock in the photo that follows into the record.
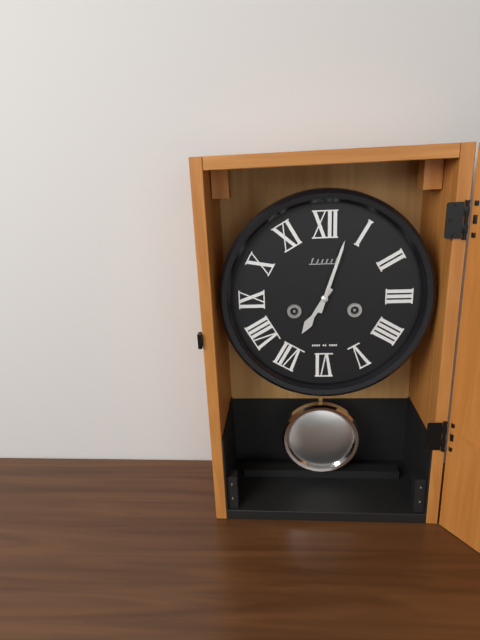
7:03
